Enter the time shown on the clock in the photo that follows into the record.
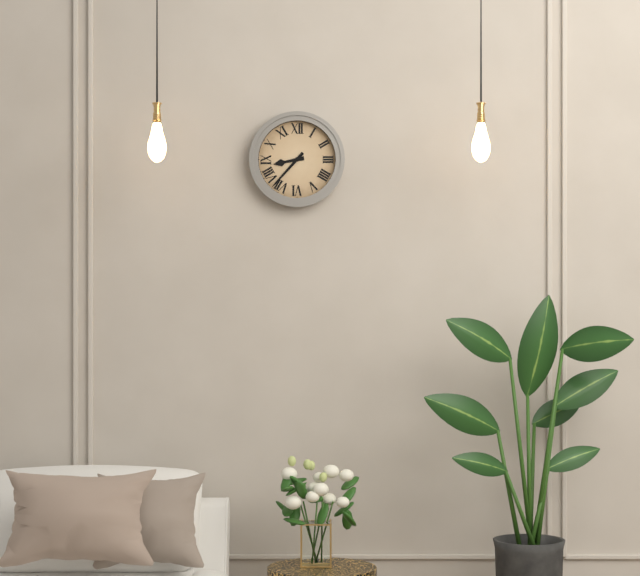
8:37
